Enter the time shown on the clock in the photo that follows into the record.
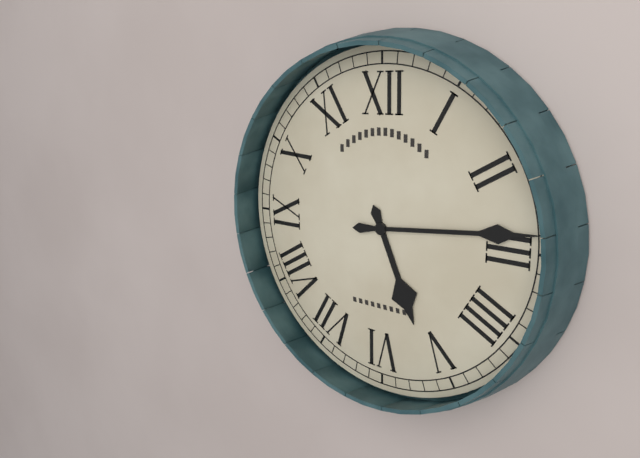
5:14
